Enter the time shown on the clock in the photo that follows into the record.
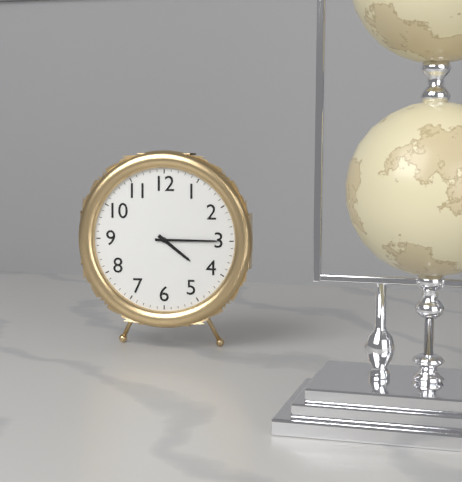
4:15
